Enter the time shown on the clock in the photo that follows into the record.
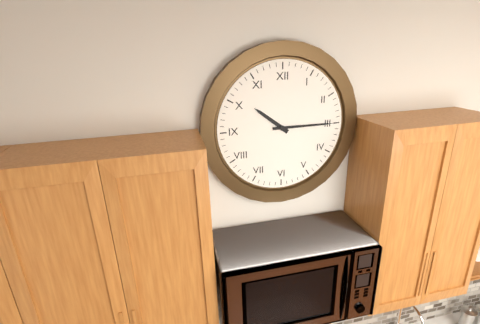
10:15
